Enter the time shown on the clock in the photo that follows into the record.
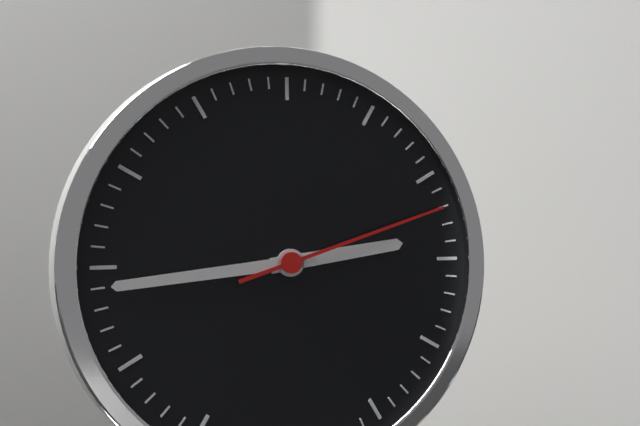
2:44:12
